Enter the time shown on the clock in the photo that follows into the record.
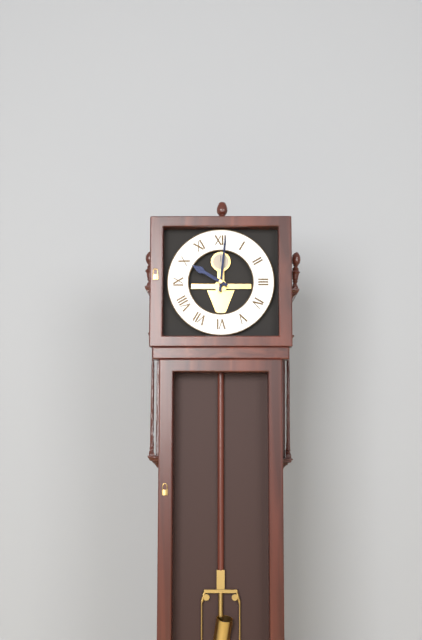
10:01
